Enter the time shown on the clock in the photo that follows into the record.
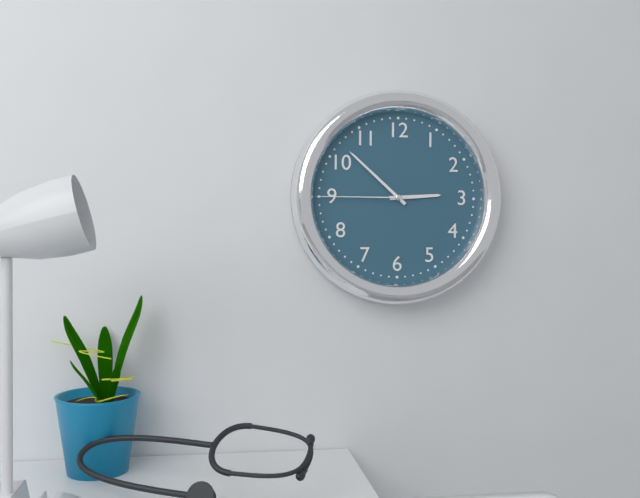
2:52:45
